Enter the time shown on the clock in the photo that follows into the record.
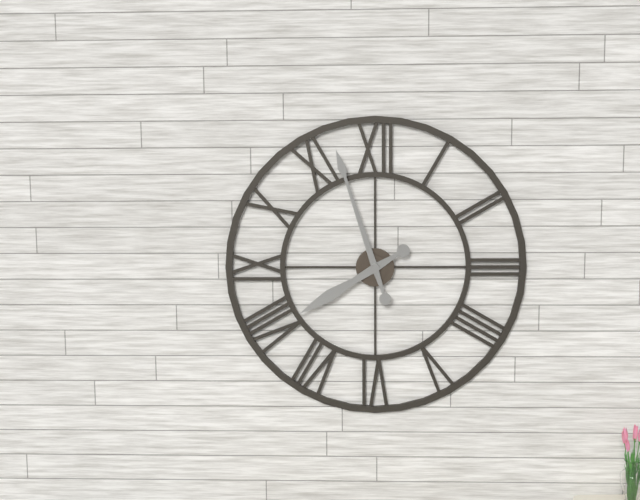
7:57
